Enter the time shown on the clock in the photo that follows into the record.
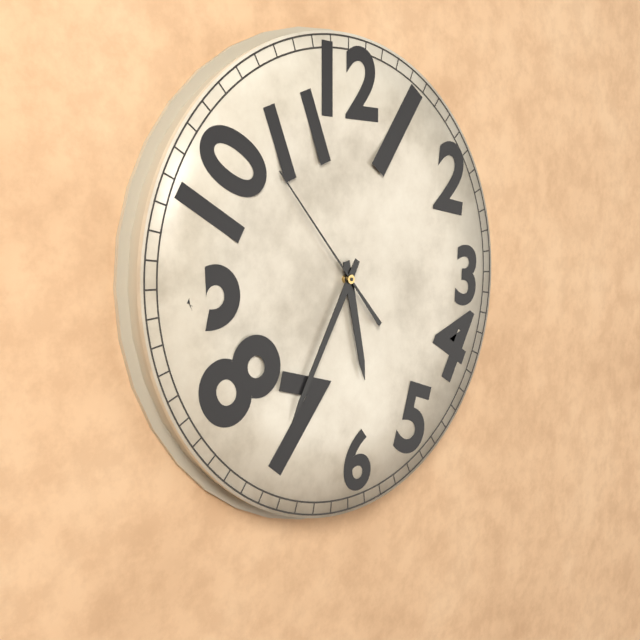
5:35:53
